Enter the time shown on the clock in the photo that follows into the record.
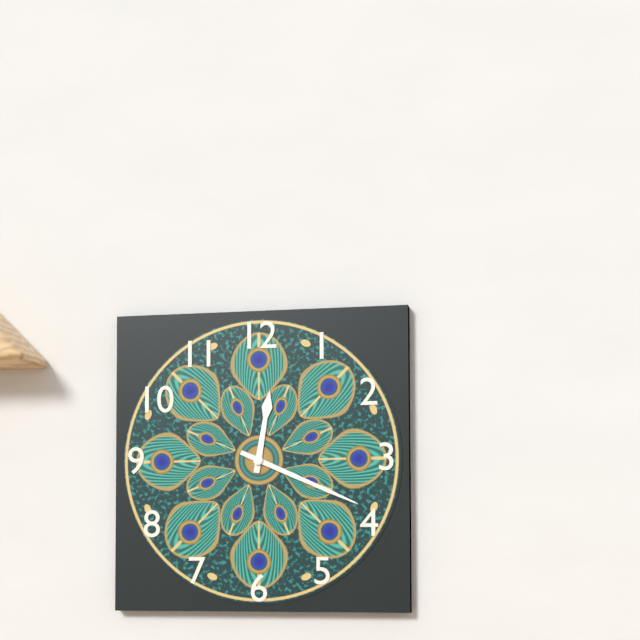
12:19
